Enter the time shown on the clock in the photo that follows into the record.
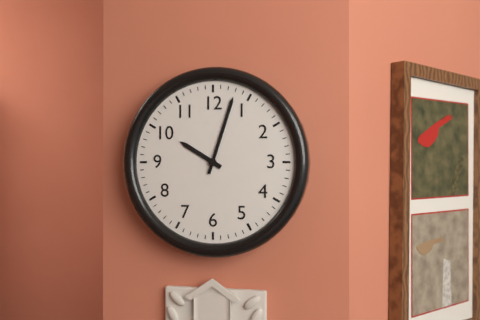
10:03
